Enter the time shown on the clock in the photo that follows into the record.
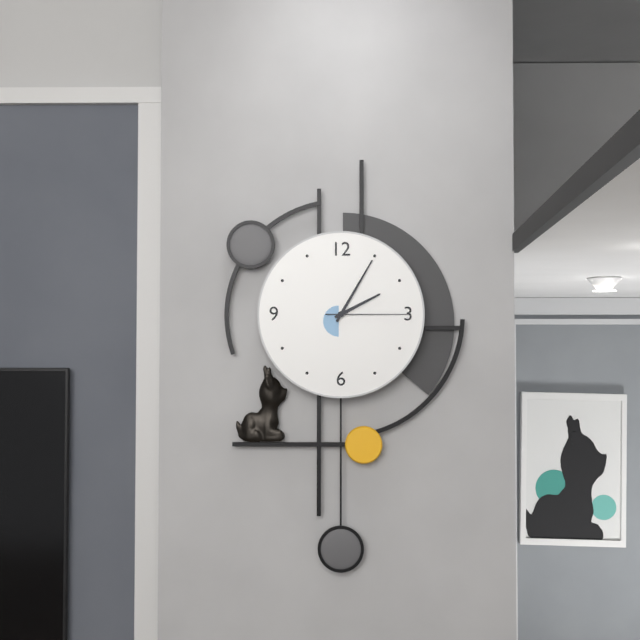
2:05:15
